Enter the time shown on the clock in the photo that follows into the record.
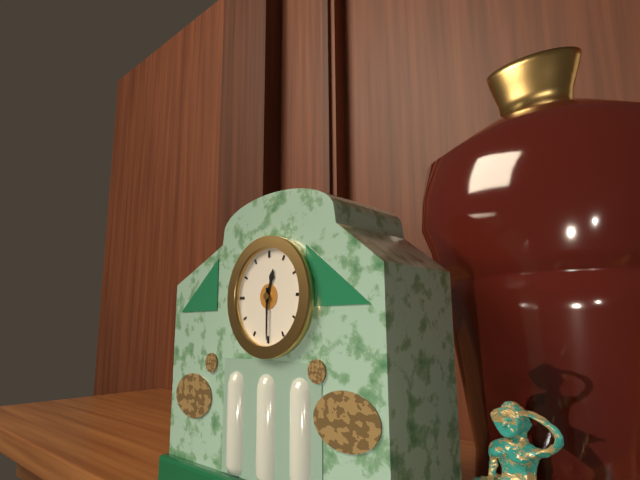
12:30
